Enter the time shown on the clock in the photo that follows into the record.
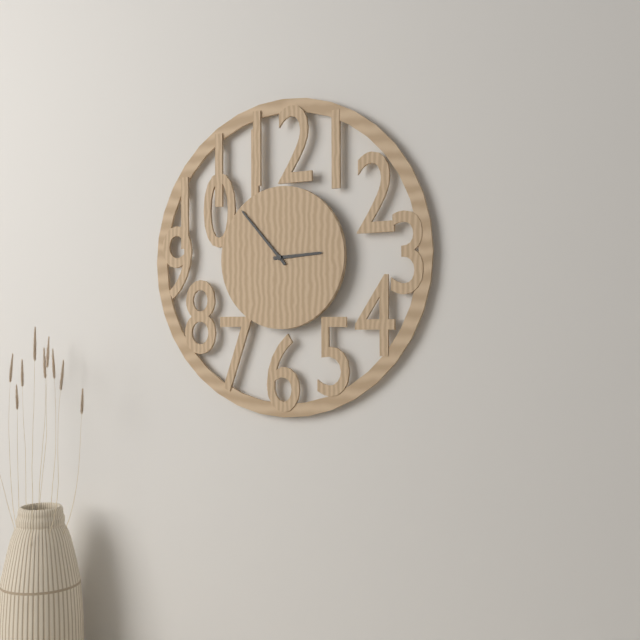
2:53
